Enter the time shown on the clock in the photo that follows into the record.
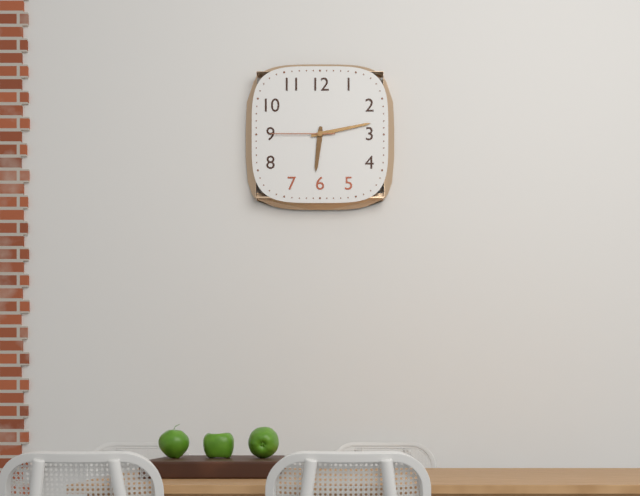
6:13:45
